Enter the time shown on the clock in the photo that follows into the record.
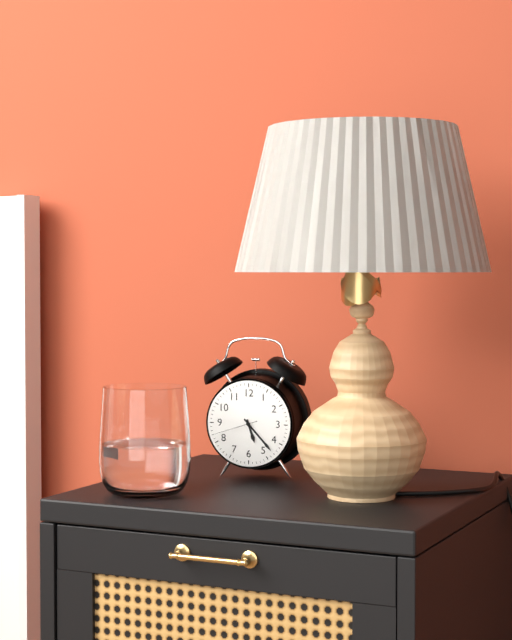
5:23
